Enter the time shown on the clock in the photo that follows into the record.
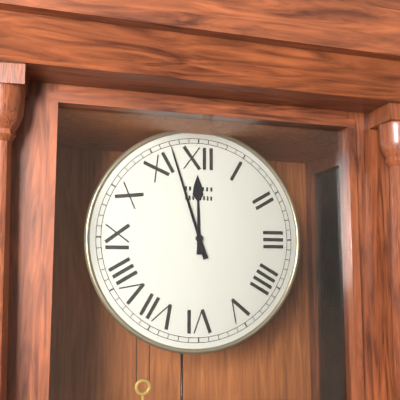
11:57
